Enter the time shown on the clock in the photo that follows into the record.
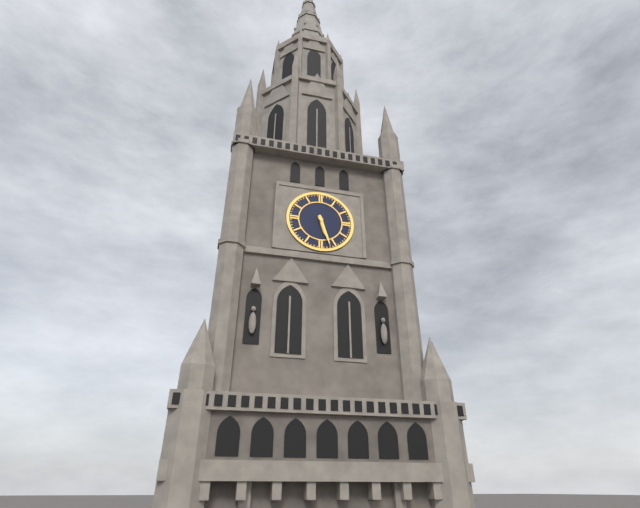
5:27
